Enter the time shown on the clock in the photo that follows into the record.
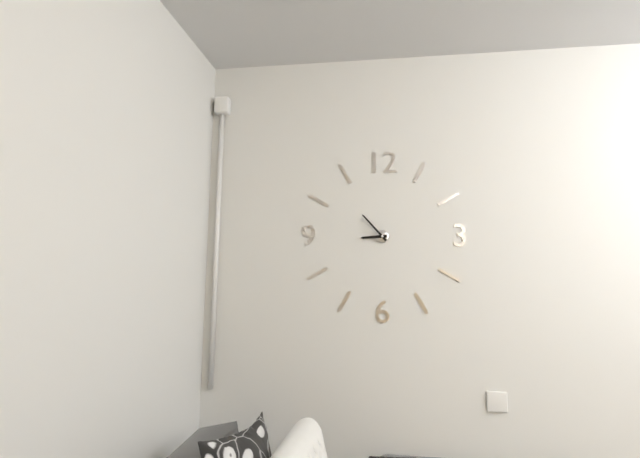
8:53
